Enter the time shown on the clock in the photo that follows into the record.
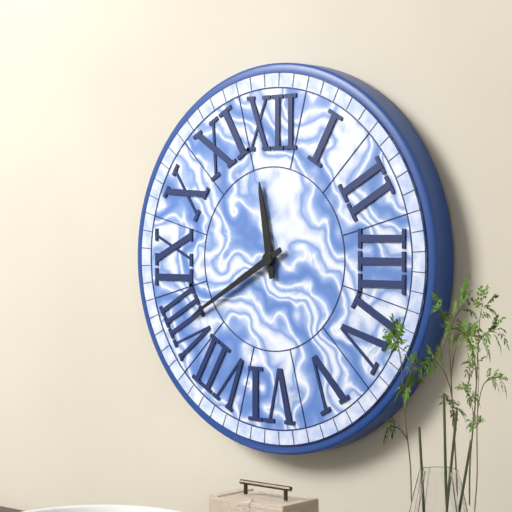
11:40
